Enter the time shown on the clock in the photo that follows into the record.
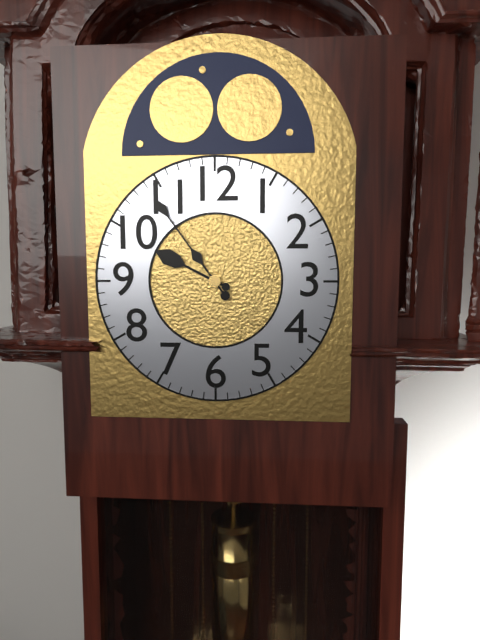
9:54
